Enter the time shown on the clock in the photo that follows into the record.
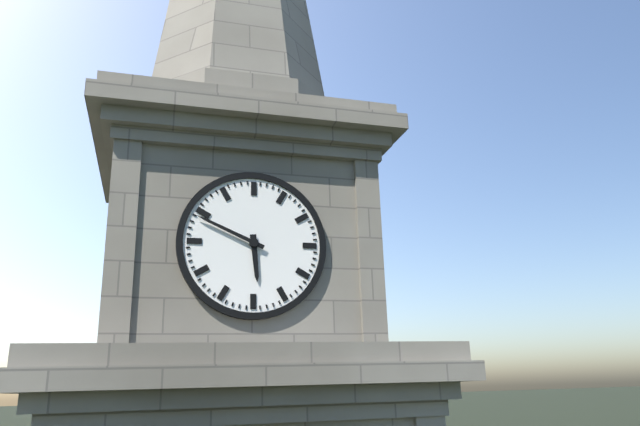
5:49
